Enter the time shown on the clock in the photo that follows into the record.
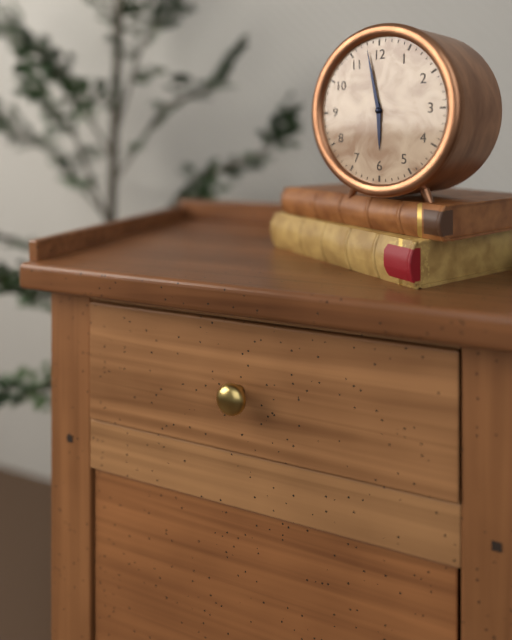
5:58
